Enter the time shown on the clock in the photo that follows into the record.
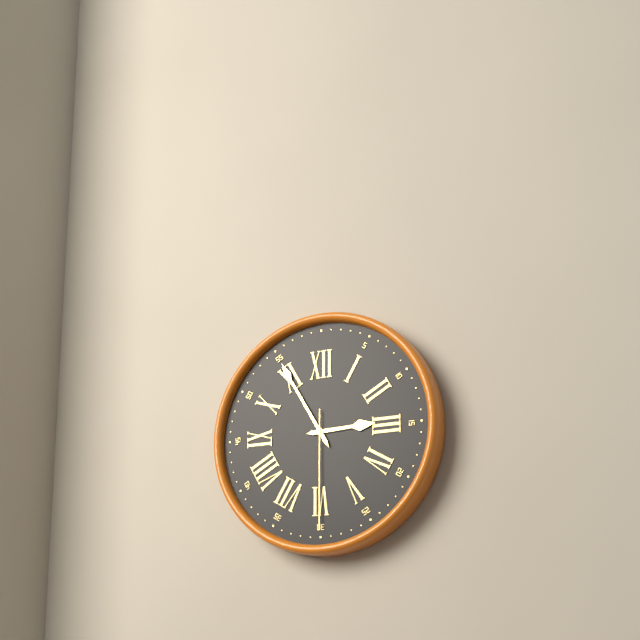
2:55:30
